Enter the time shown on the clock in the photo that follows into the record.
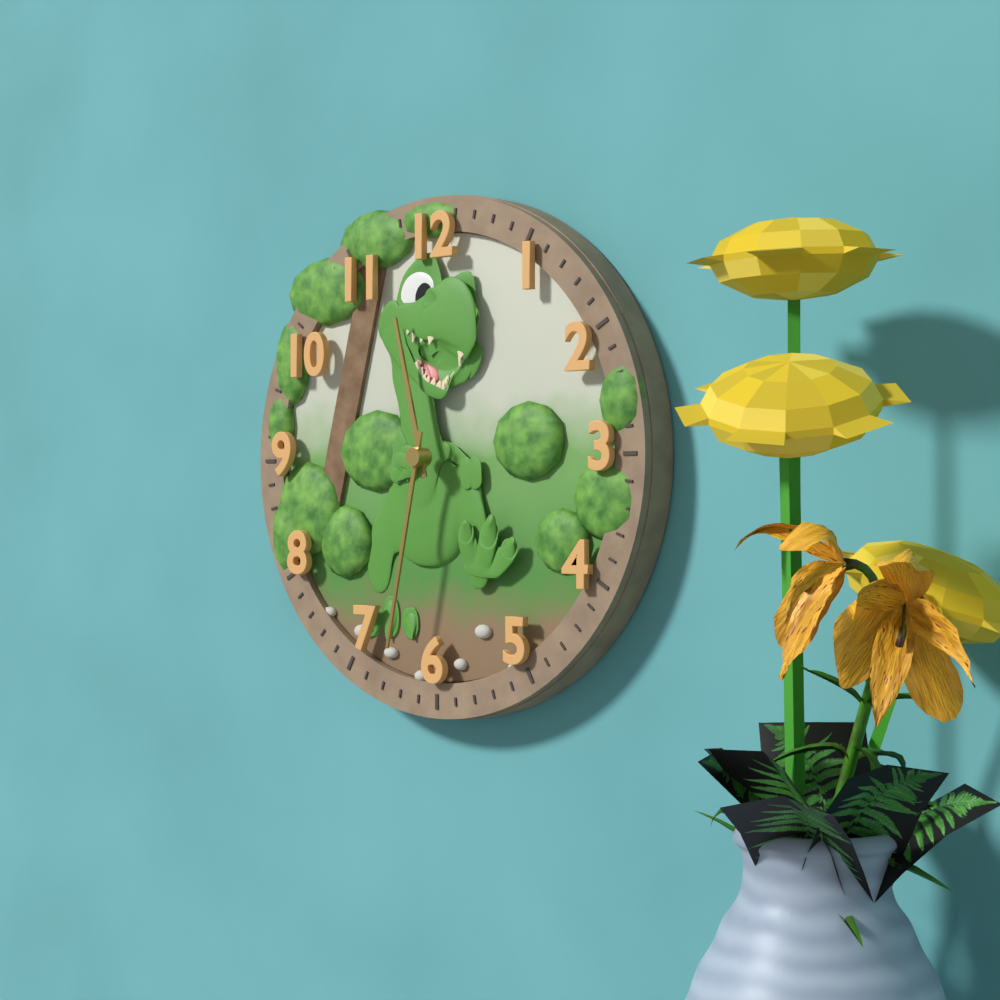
11:32
